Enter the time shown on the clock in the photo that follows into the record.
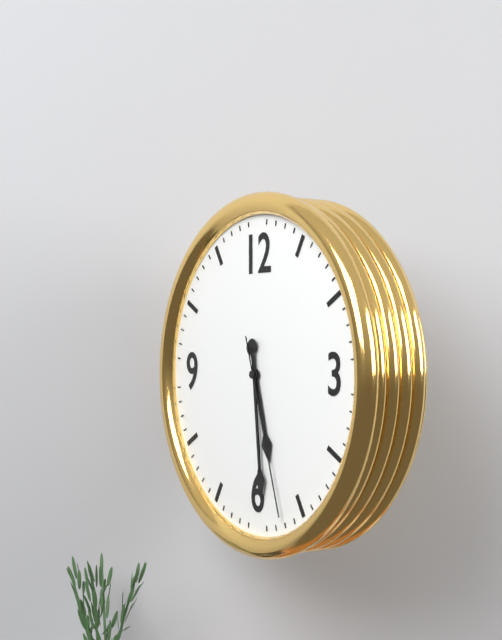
5:29:27
